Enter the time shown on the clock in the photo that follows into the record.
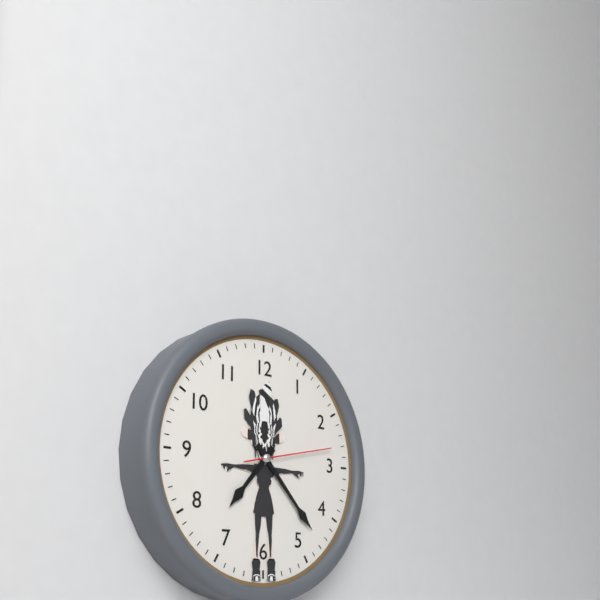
7:23:13
